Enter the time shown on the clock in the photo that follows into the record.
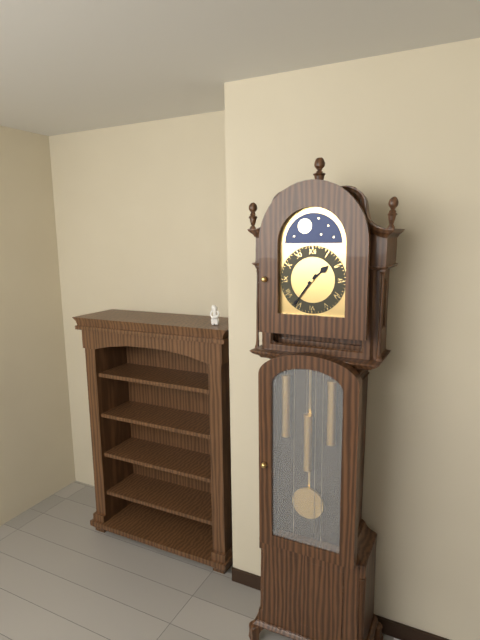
1:36
